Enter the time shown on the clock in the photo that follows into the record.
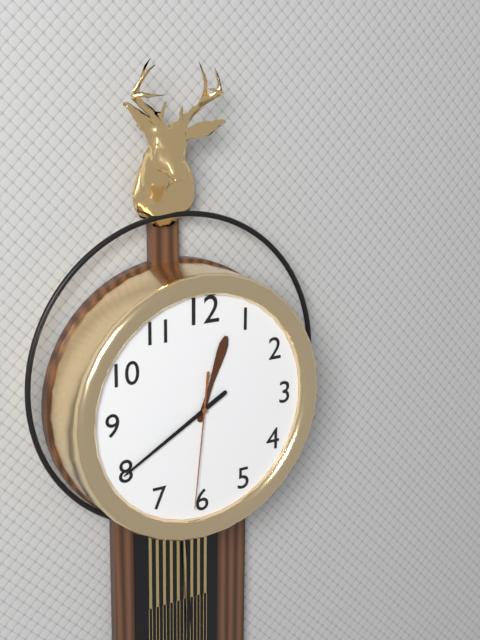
12:40:31
